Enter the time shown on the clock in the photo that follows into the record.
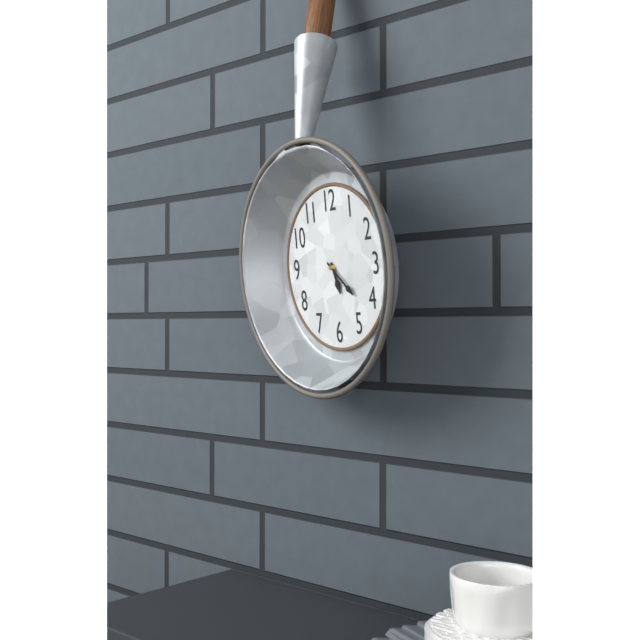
5:22
